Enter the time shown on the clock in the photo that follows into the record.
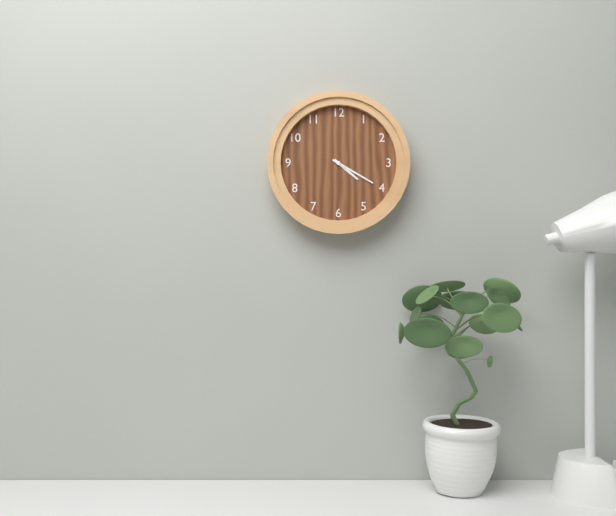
4:20
